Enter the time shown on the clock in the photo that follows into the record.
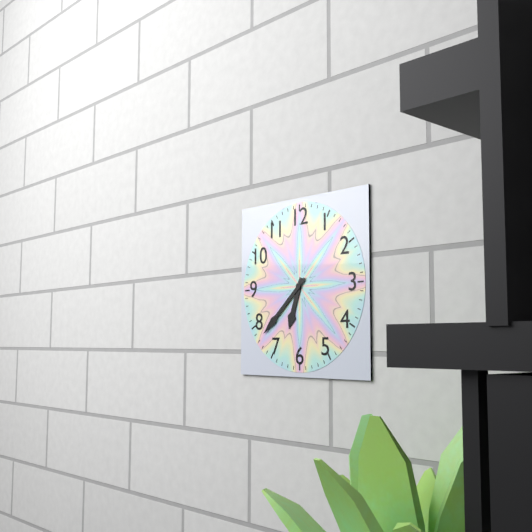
6:38
